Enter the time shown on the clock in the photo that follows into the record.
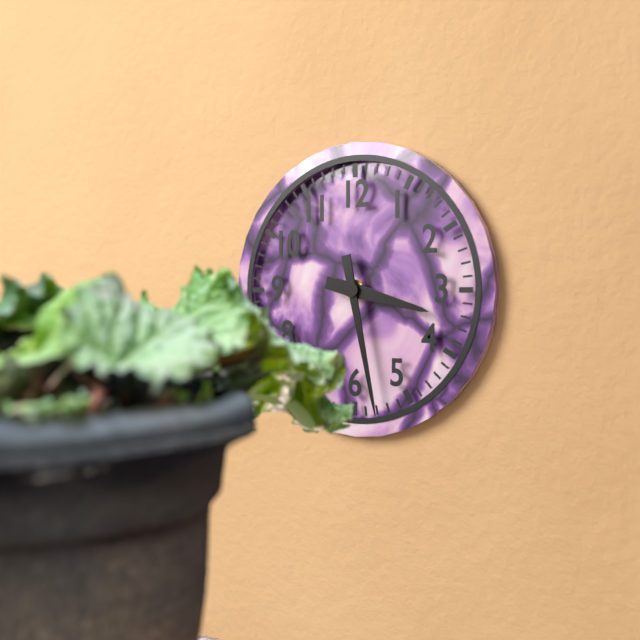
3:28
